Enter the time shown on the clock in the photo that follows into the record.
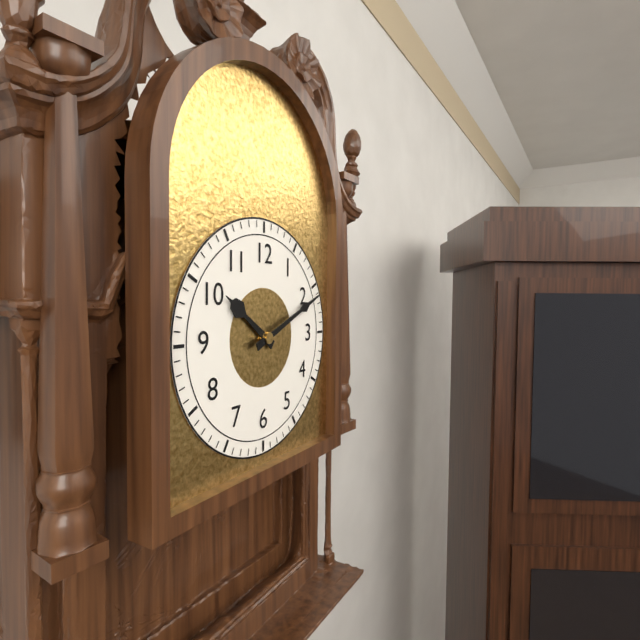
10:11
